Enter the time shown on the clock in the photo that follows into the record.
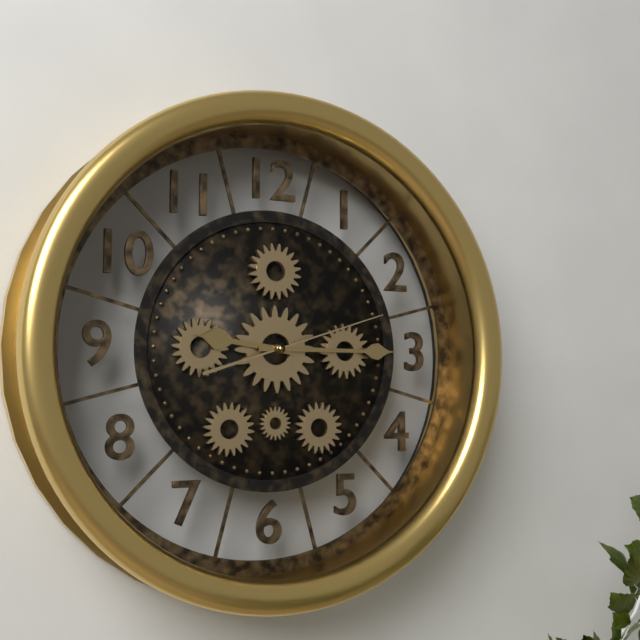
9:15:12
